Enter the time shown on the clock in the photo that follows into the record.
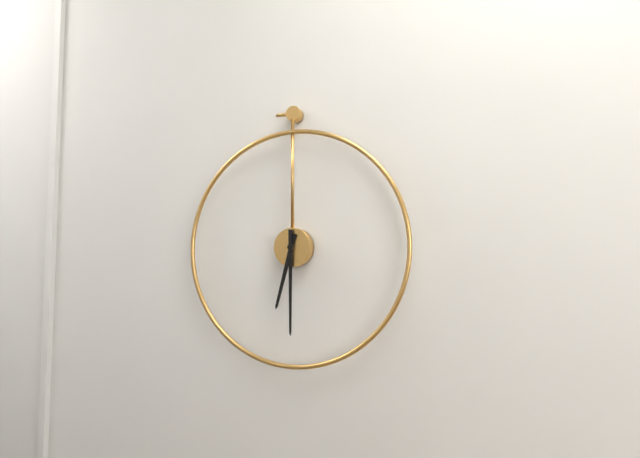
6:30
